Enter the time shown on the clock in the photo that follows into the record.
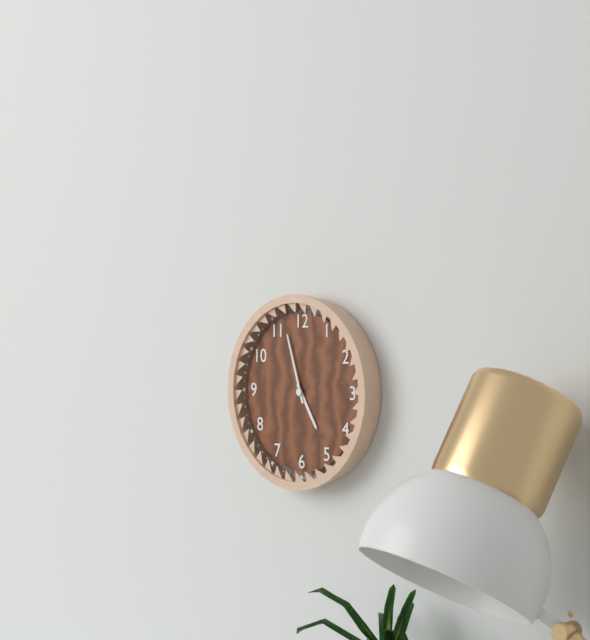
4:57
